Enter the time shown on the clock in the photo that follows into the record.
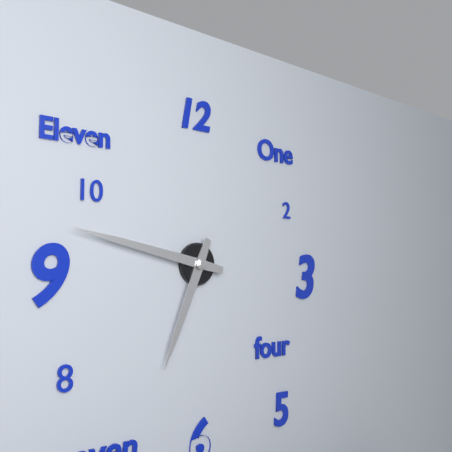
6:47
